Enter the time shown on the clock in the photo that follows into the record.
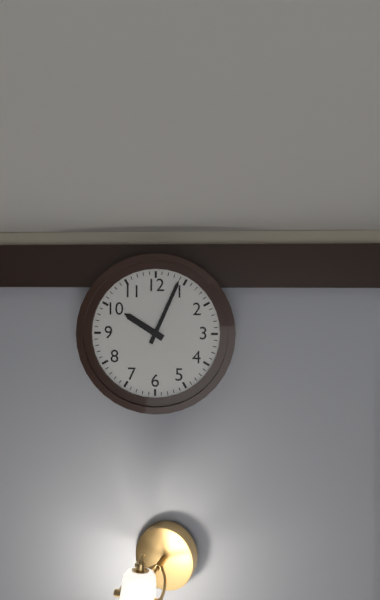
10:04
